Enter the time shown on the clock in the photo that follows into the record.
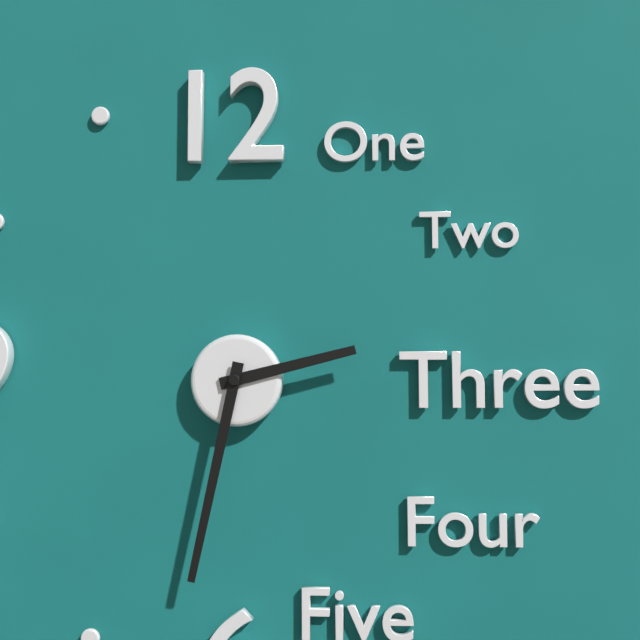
2:32
